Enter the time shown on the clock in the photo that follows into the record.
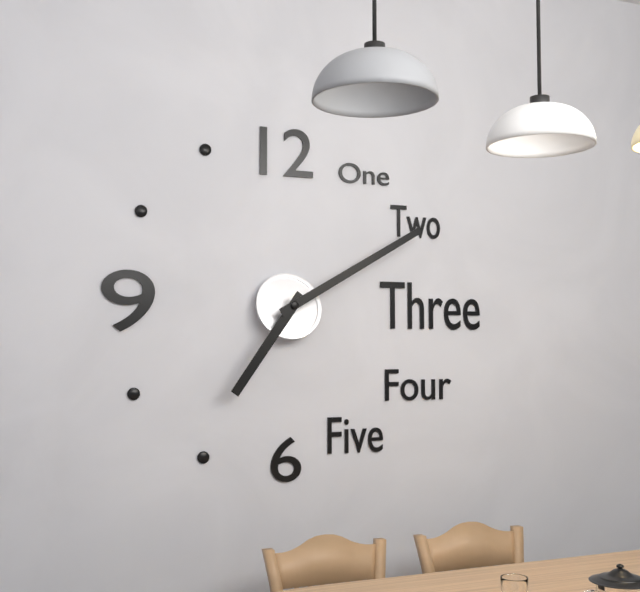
7:10
